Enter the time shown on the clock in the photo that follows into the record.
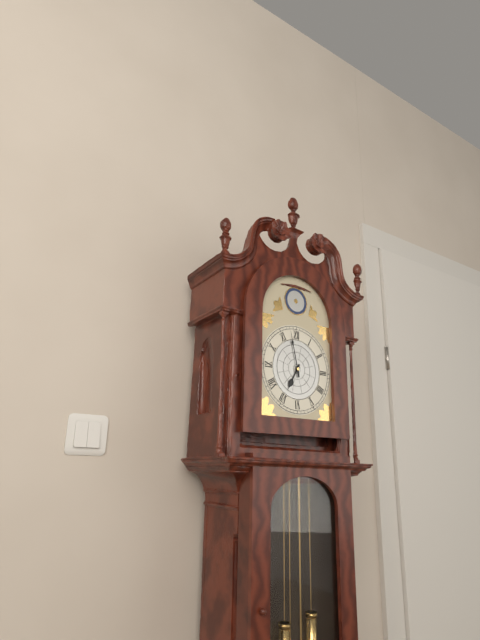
6:58
